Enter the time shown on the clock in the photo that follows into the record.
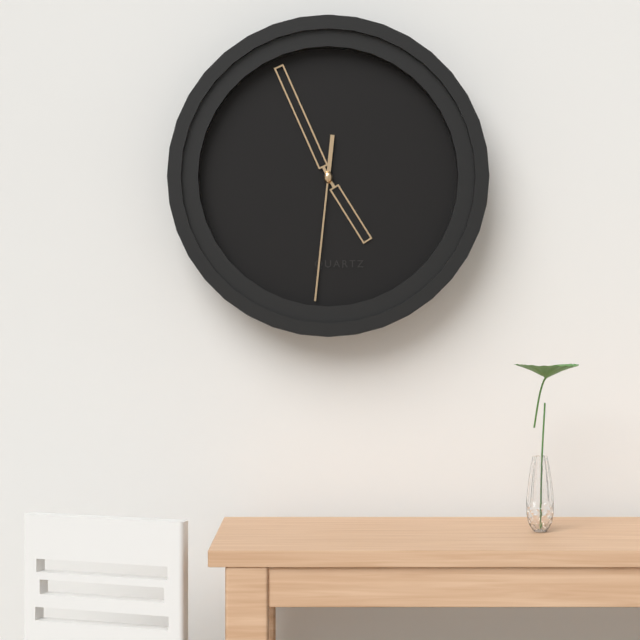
4:56:31
